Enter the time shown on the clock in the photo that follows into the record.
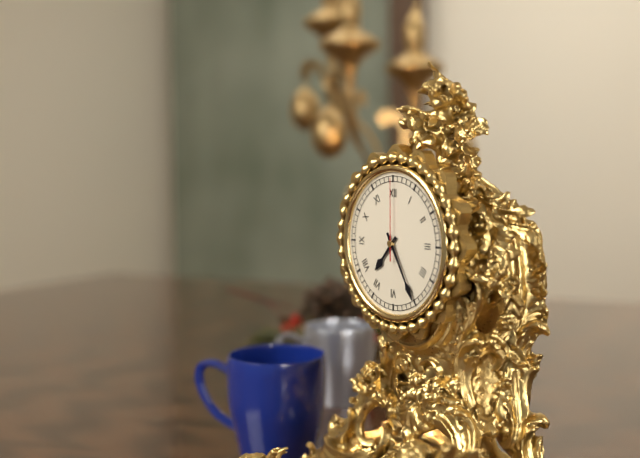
7:25:00
